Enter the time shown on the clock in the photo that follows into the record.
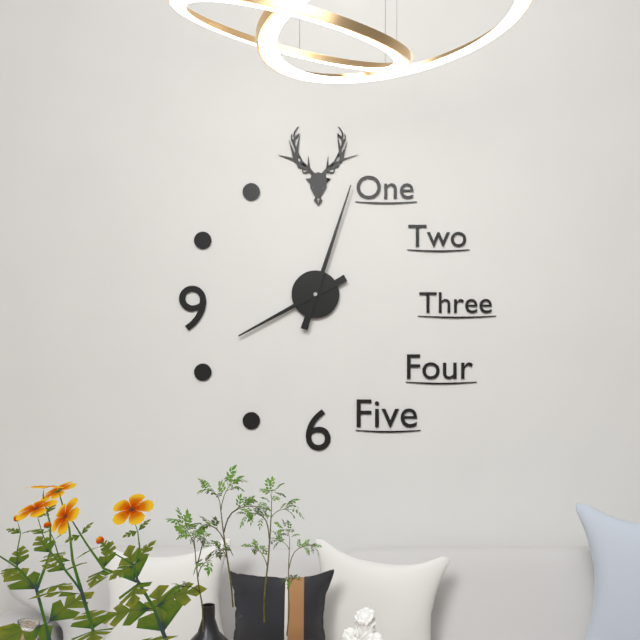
8:03
